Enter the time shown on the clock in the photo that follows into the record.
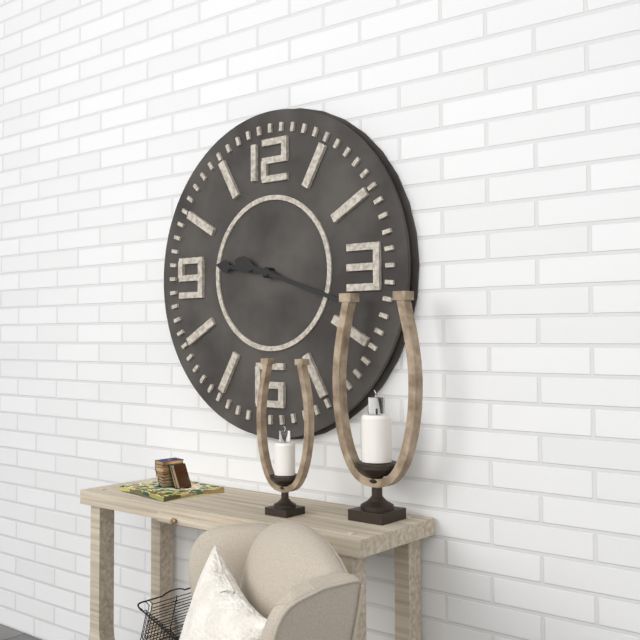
9:18
